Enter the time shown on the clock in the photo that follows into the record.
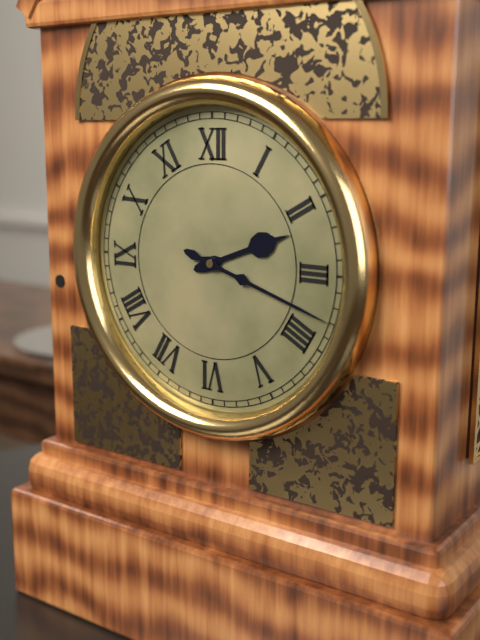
2:18
